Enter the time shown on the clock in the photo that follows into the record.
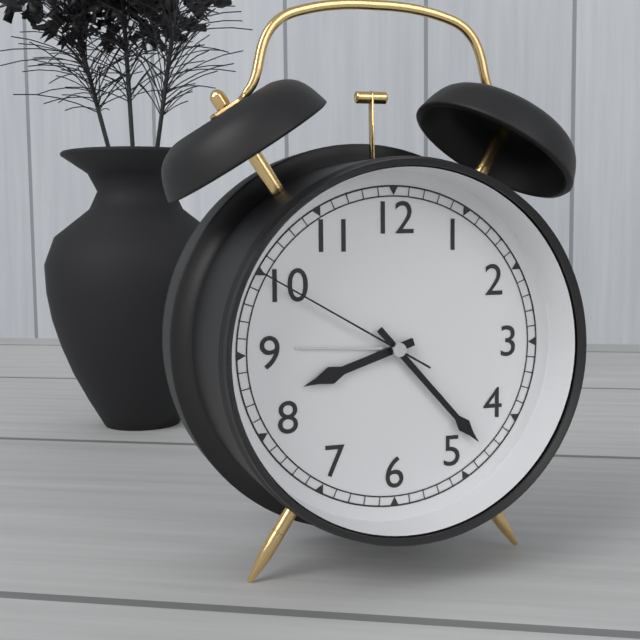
8:23:50
